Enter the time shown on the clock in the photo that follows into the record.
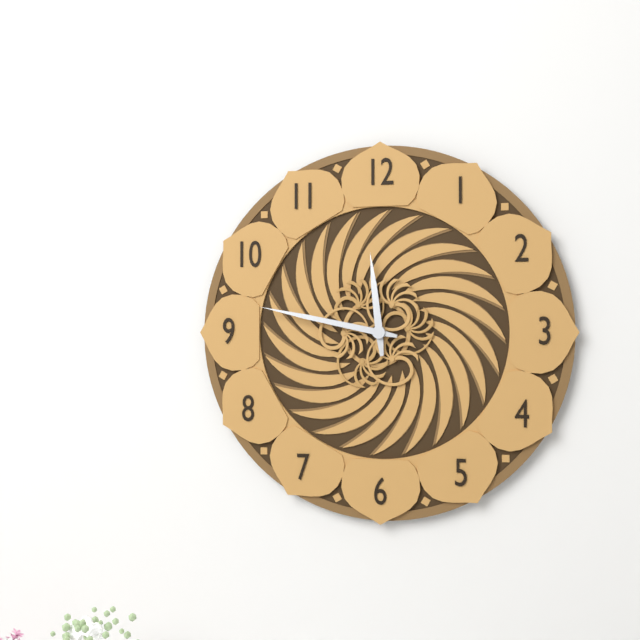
11:47
